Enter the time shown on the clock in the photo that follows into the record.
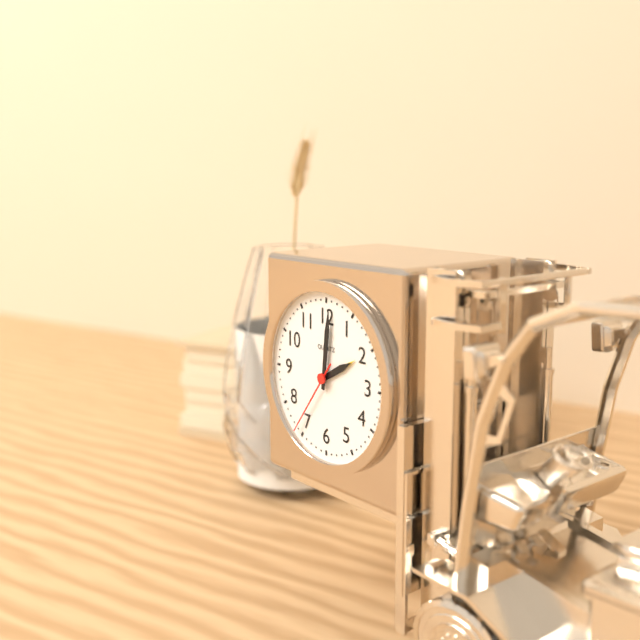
2:01:36
